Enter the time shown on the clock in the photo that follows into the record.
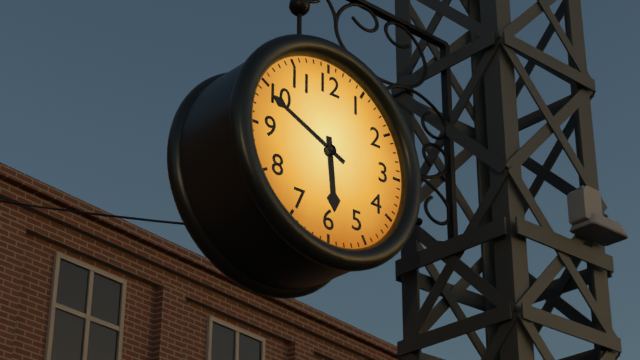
5:49
